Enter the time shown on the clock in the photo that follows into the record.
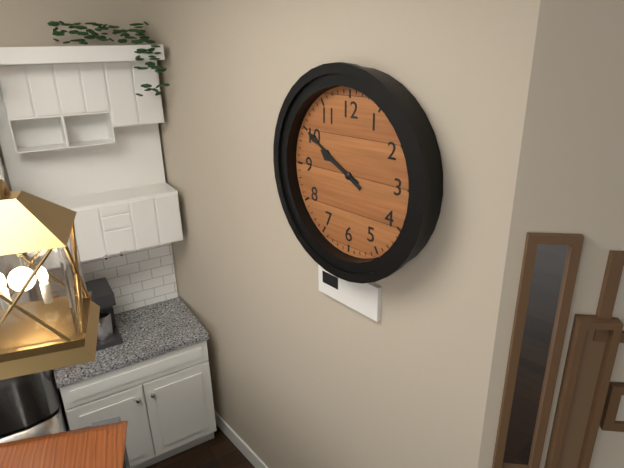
9:50
